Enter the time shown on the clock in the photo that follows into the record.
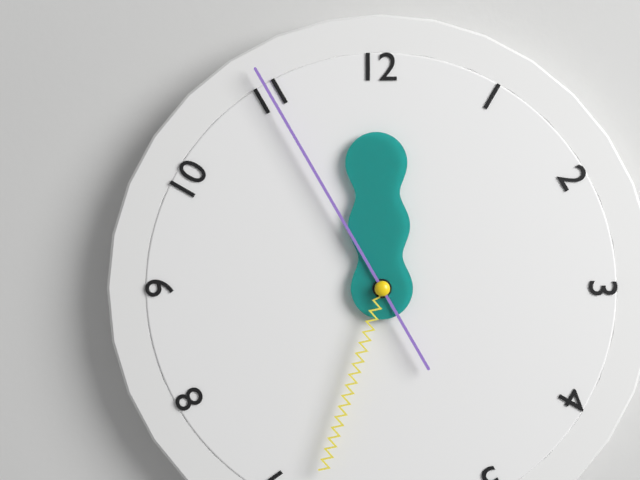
11:55:33
